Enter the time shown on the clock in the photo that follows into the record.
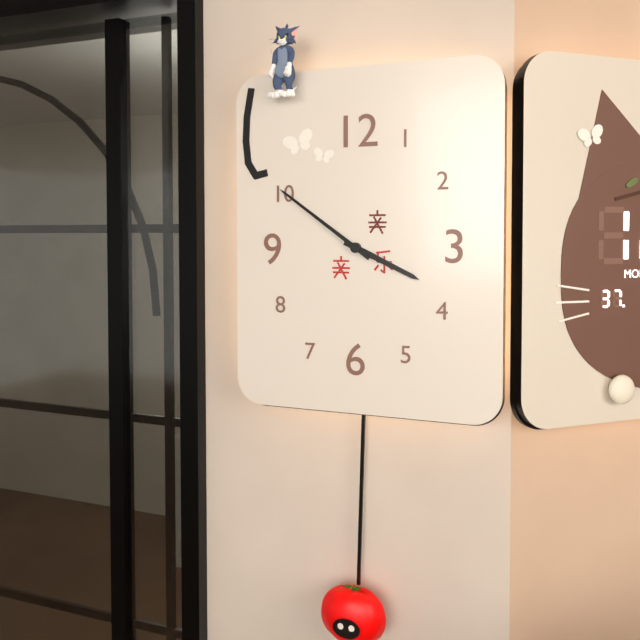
3:51
